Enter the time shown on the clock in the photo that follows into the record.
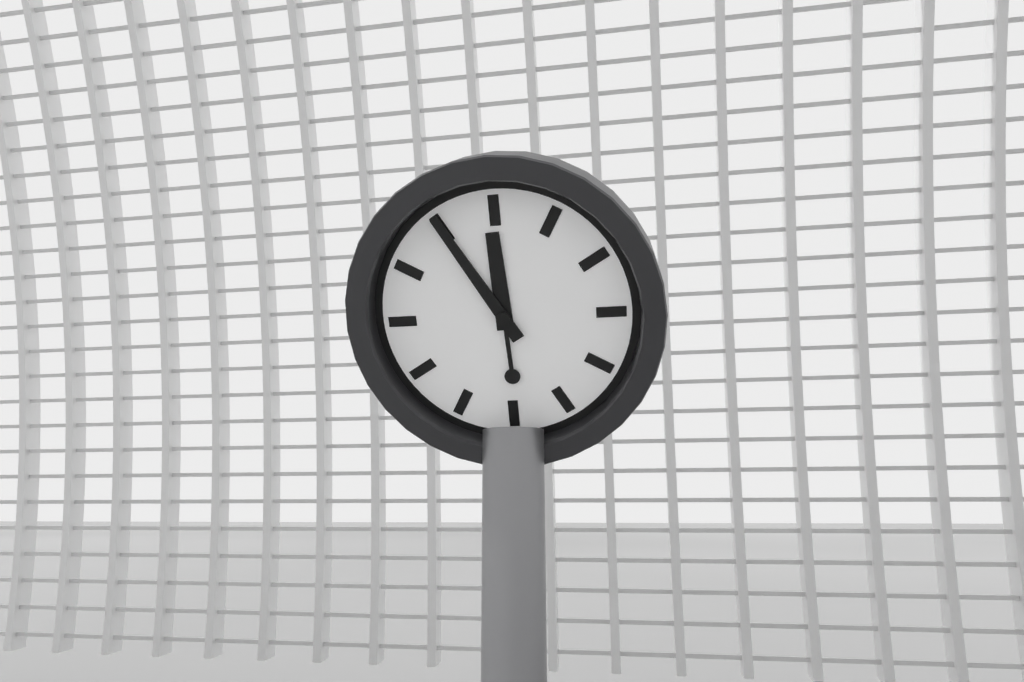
11:55
